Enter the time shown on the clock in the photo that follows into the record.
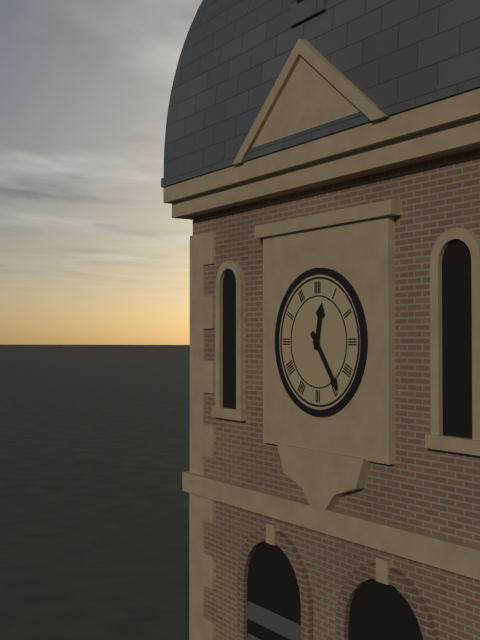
12:24
